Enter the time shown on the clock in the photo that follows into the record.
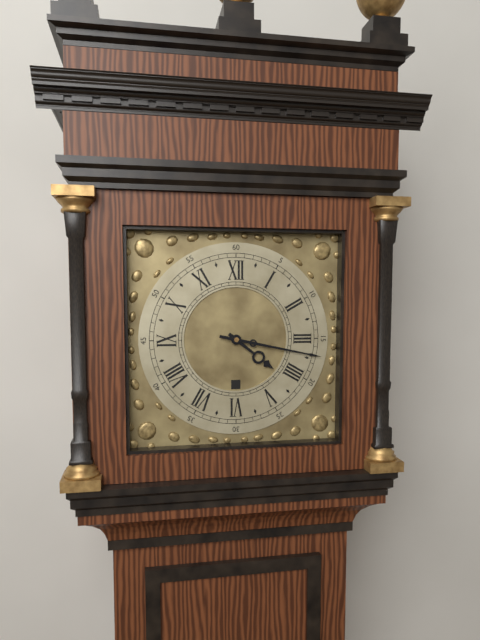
4:17
